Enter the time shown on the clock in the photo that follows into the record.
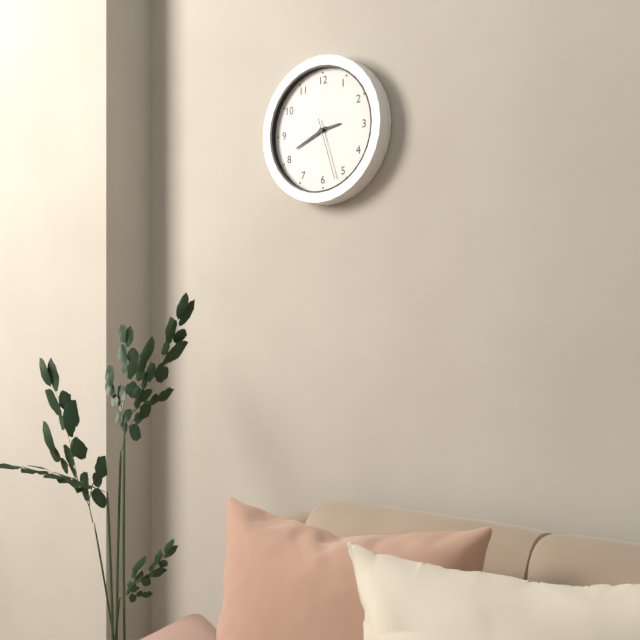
2:41:27
